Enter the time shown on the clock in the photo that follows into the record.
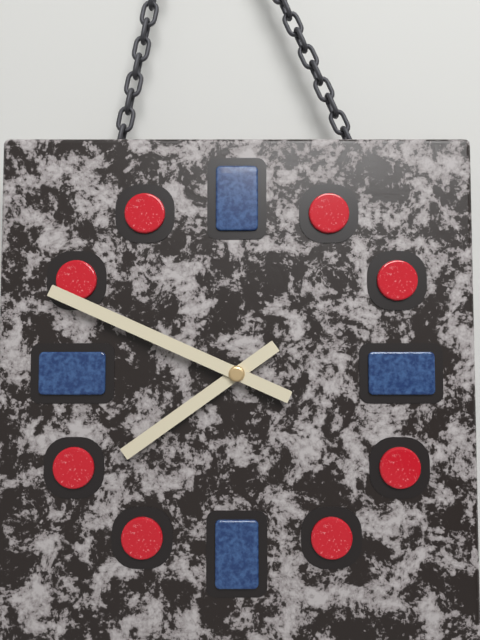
7:49
